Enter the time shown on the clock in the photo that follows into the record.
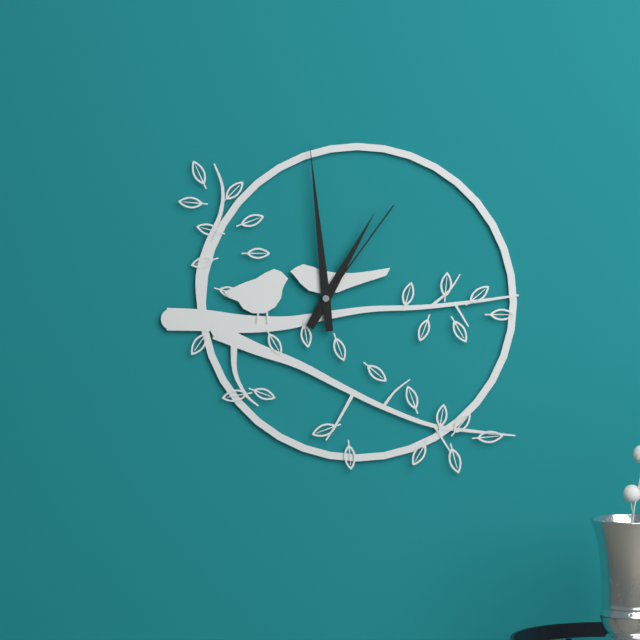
12:59:06
